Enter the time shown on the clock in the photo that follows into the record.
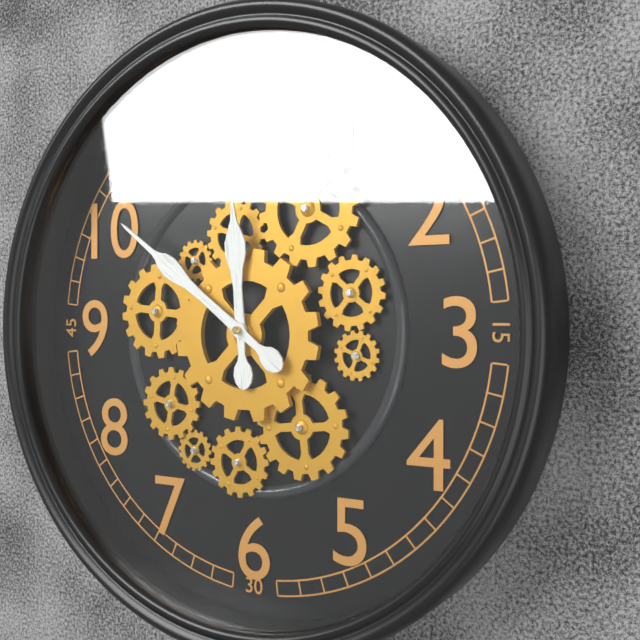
11:51
